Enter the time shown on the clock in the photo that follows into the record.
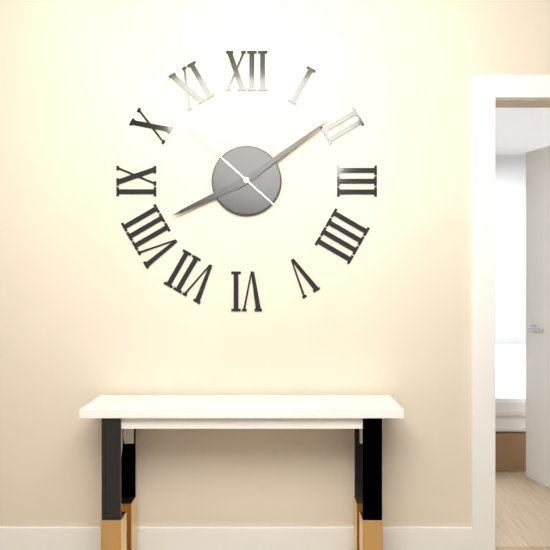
8:09:52
